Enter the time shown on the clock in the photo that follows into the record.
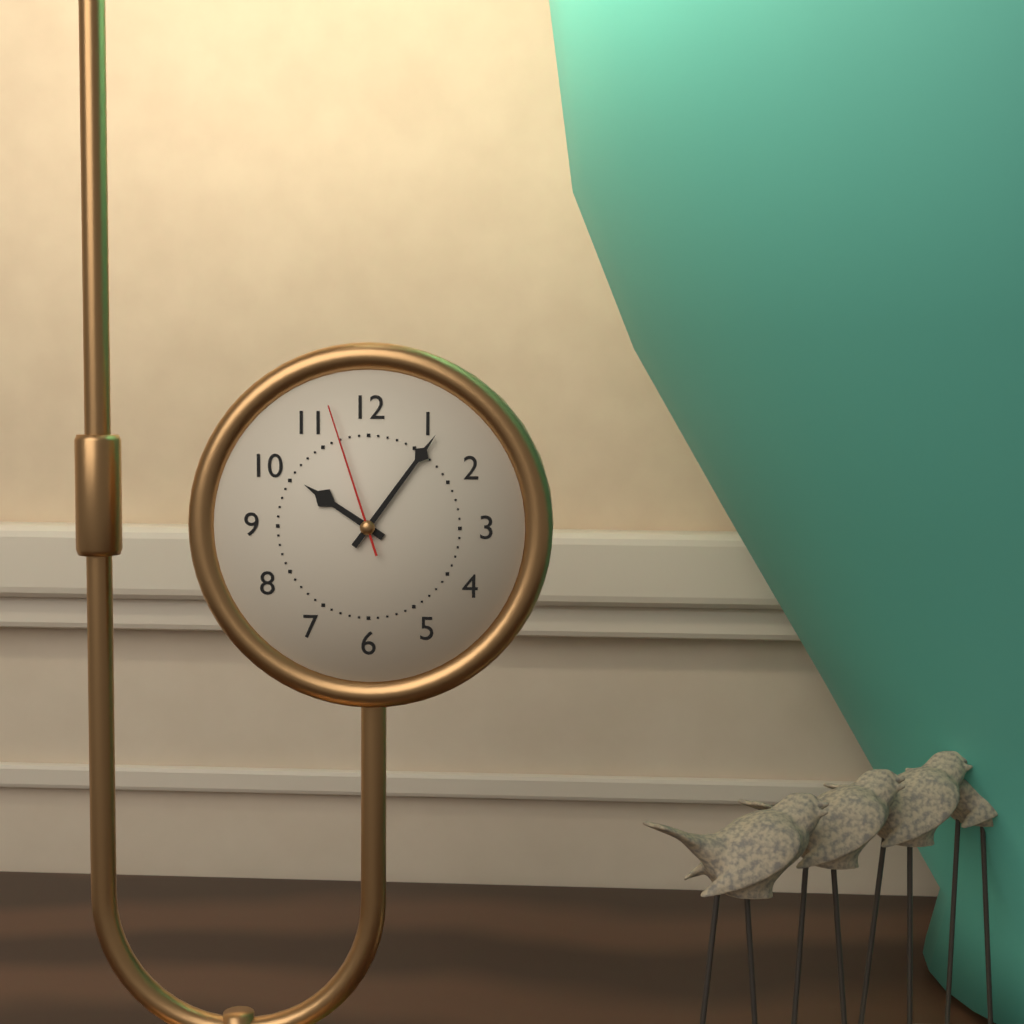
10:06:57
